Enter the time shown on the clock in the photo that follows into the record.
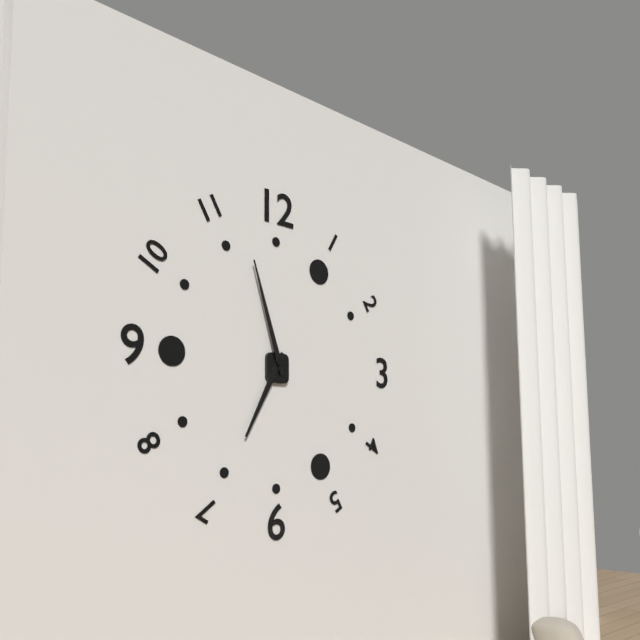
6:57
